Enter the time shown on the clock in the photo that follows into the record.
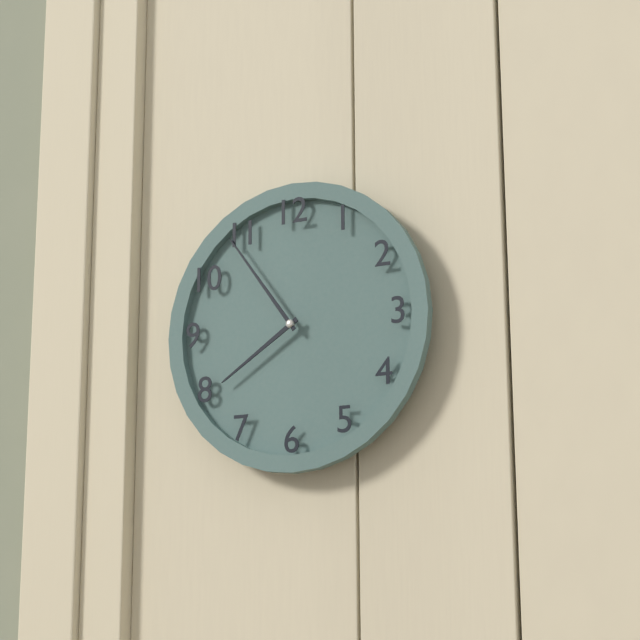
7:54
